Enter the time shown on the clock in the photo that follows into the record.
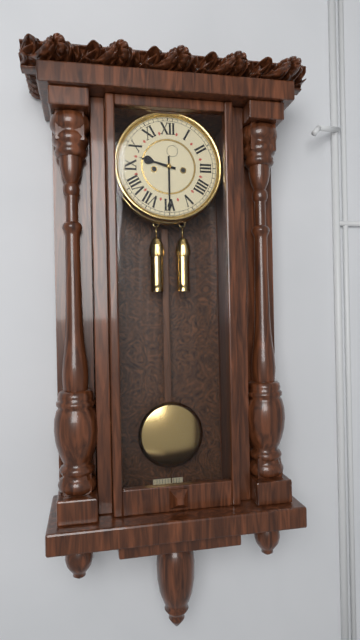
9:30
